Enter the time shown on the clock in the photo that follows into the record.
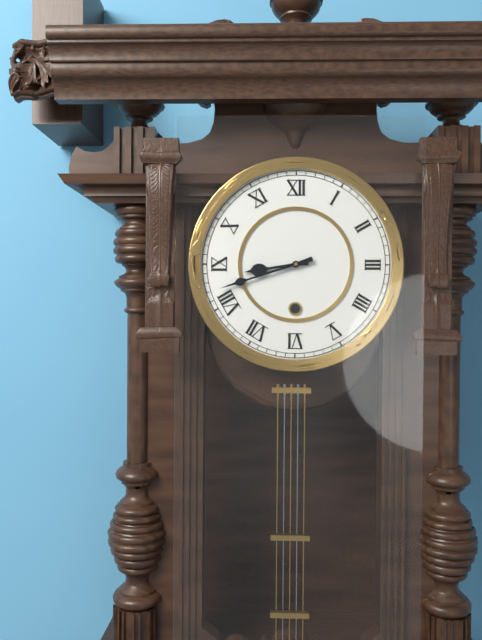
8:42
